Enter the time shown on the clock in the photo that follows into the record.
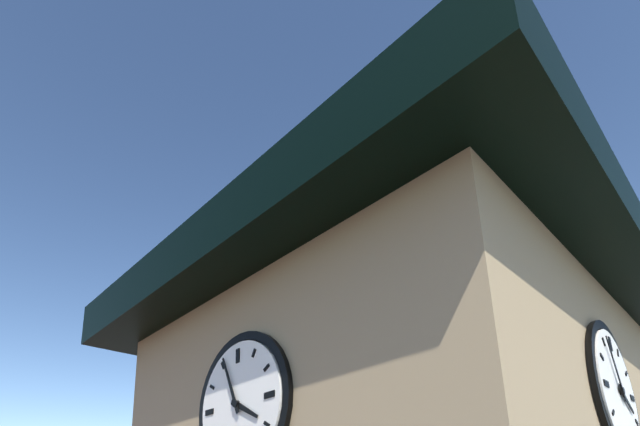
3:56
